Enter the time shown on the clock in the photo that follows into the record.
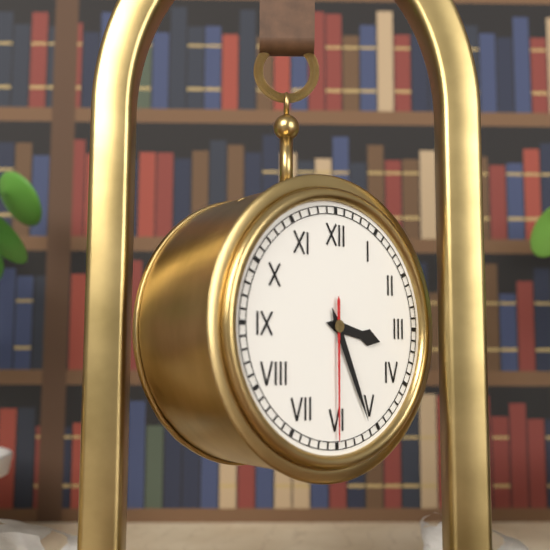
3:26:30
